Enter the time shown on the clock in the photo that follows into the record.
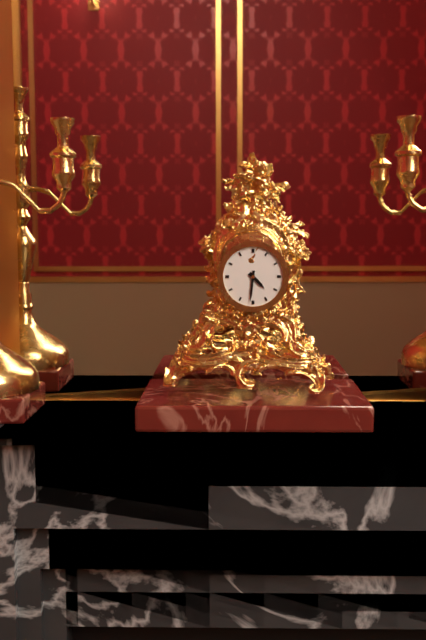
4:31
